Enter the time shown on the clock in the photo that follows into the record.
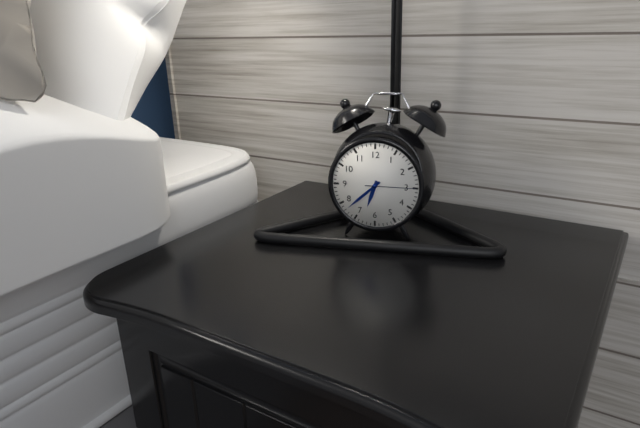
6:38:15
